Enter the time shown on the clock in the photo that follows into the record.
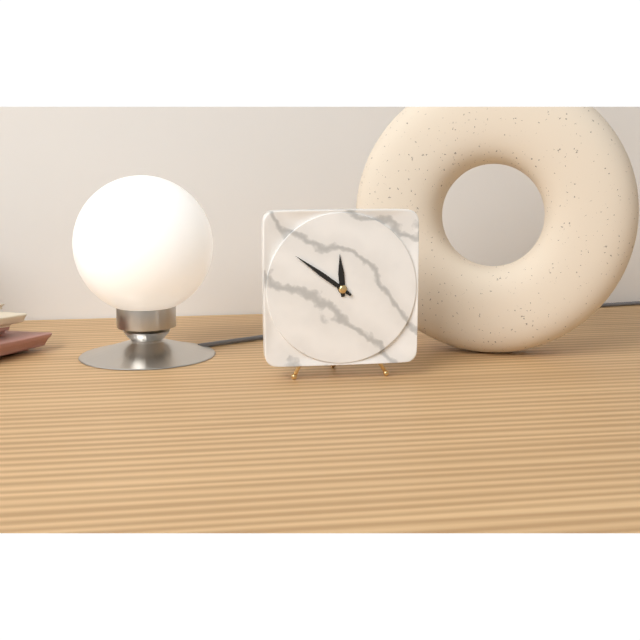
11:51
